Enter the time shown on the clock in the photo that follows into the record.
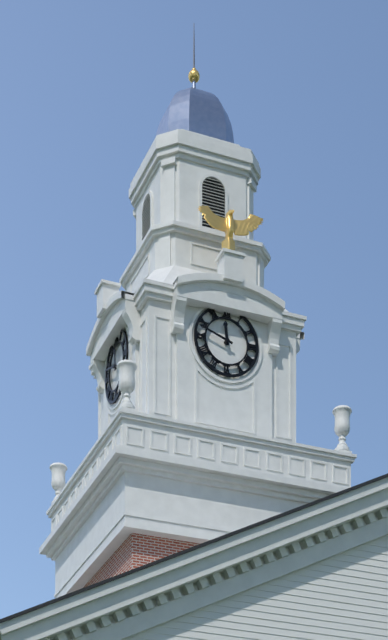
11:48
